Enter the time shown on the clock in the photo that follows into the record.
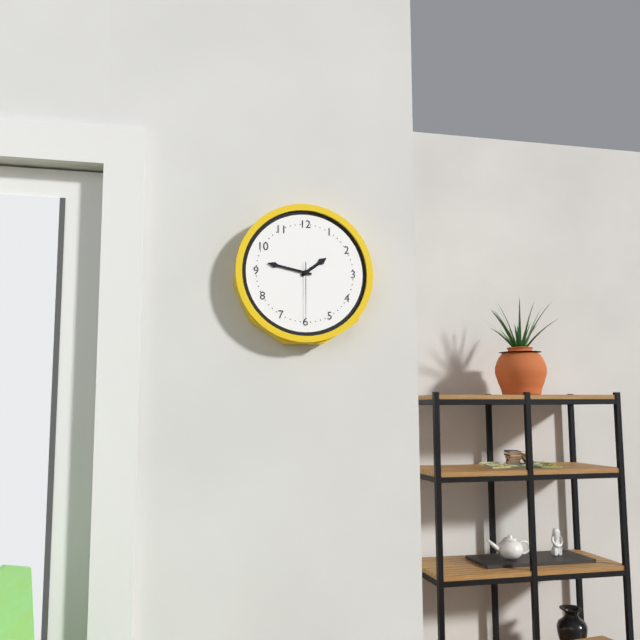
1:47:30
